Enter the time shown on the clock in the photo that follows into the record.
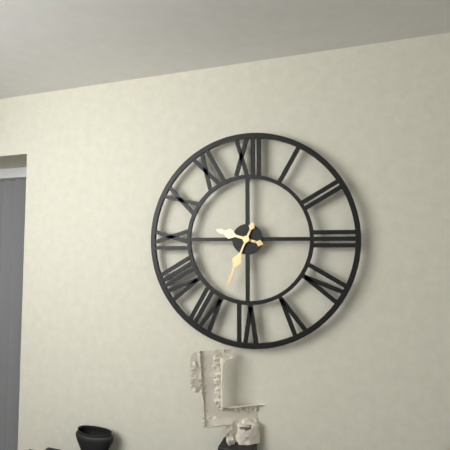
9:34
